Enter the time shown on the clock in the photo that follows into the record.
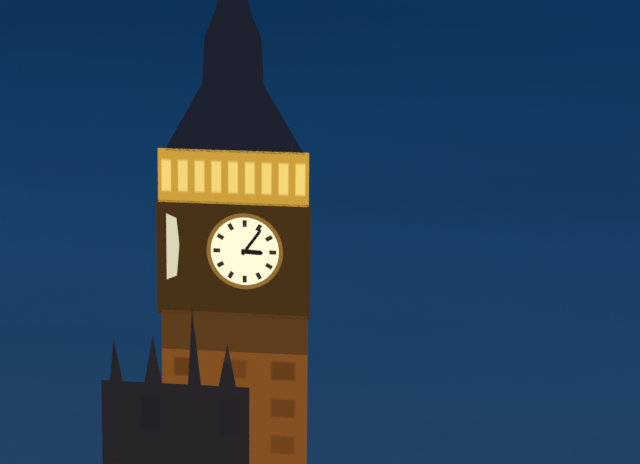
3:06
